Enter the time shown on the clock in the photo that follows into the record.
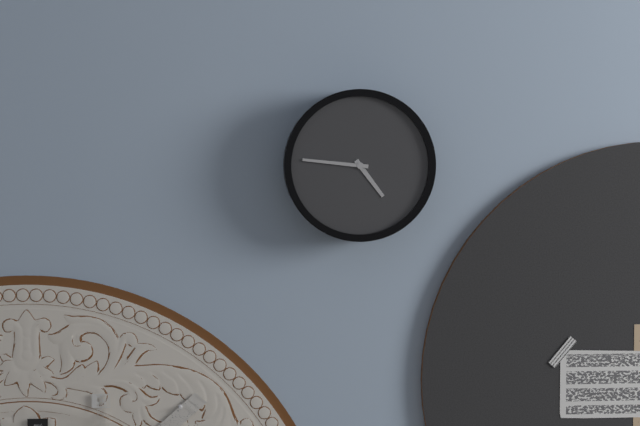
4:46
